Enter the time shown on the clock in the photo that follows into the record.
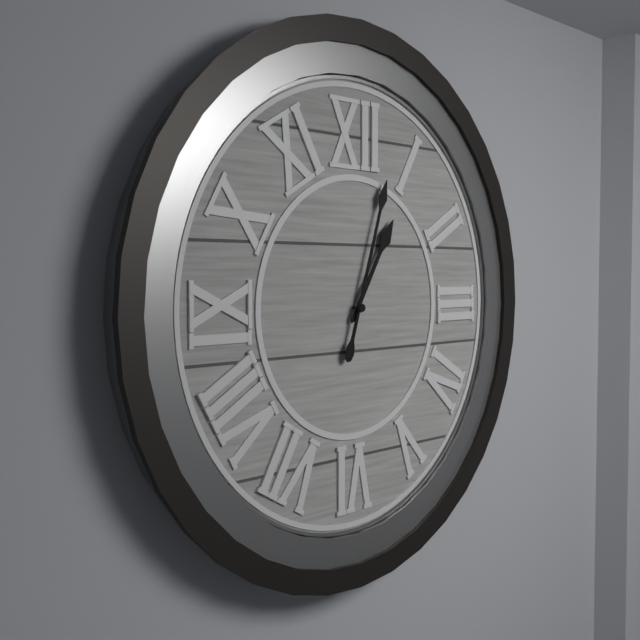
1:03
